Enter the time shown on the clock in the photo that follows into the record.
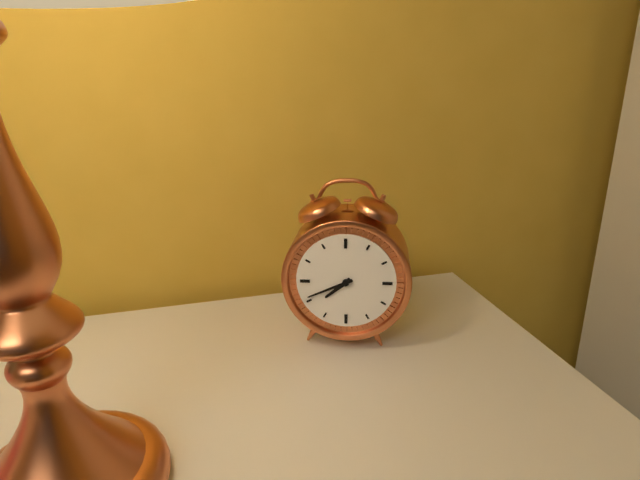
7:41
